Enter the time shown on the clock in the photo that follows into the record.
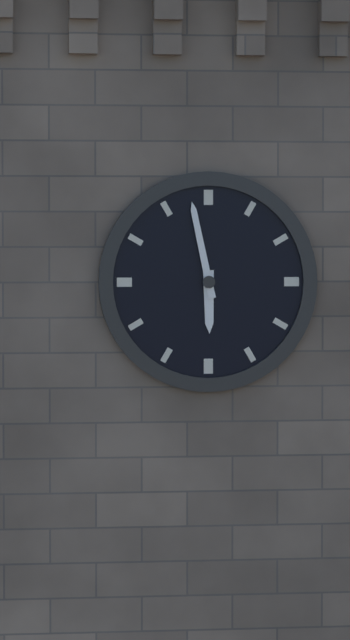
5:58
